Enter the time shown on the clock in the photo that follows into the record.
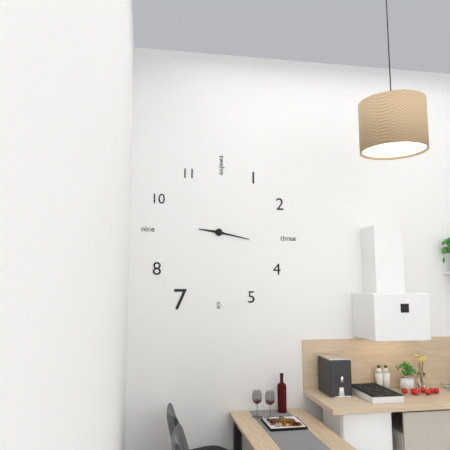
9:17
